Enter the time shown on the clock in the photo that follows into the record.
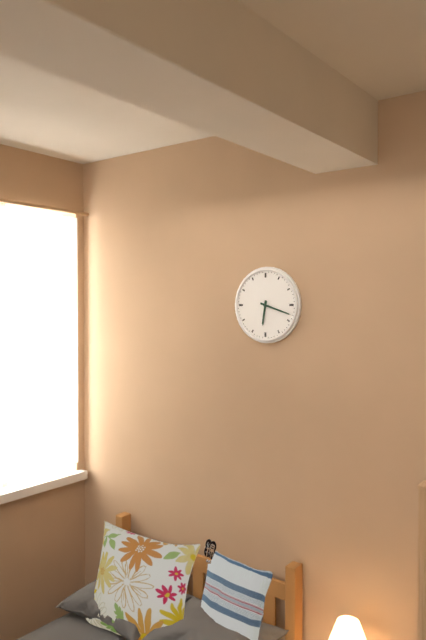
6:18
